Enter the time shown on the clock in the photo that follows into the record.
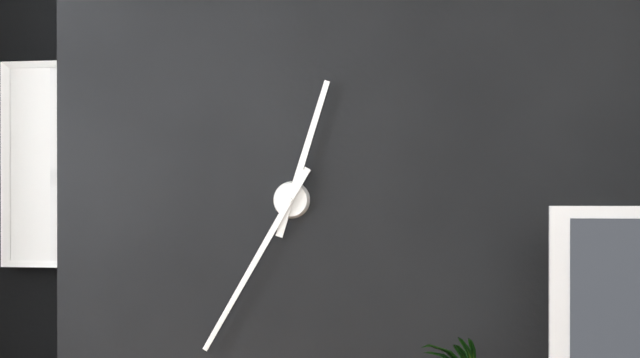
12:35
